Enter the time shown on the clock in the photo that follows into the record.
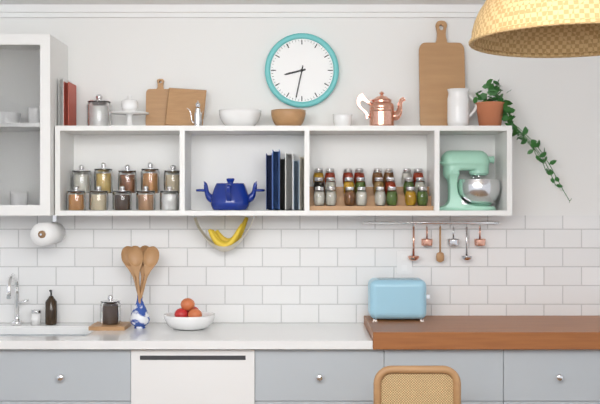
8:32
